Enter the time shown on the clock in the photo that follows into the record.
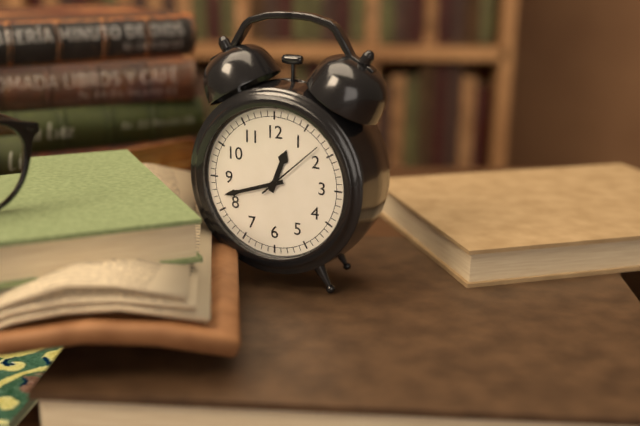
12:42:08
